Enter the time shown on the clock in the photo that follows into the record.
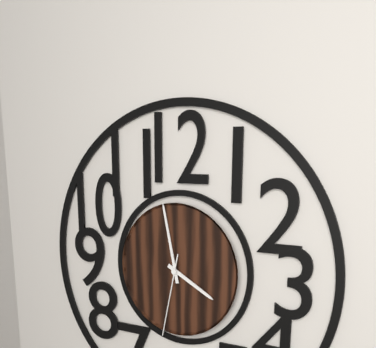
3:58:32
